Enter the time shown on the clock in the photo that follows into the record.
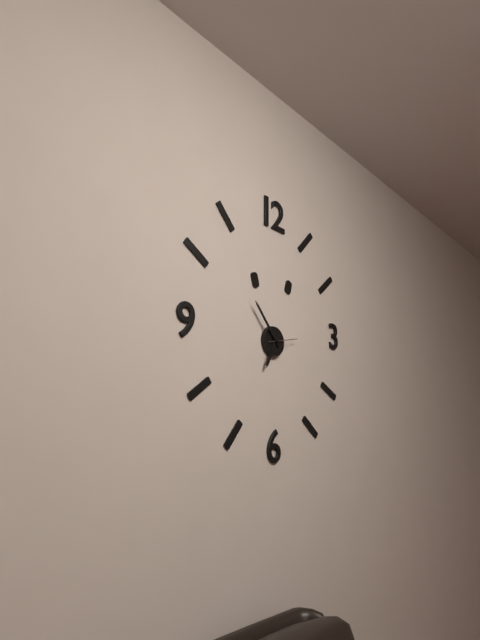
6:53
